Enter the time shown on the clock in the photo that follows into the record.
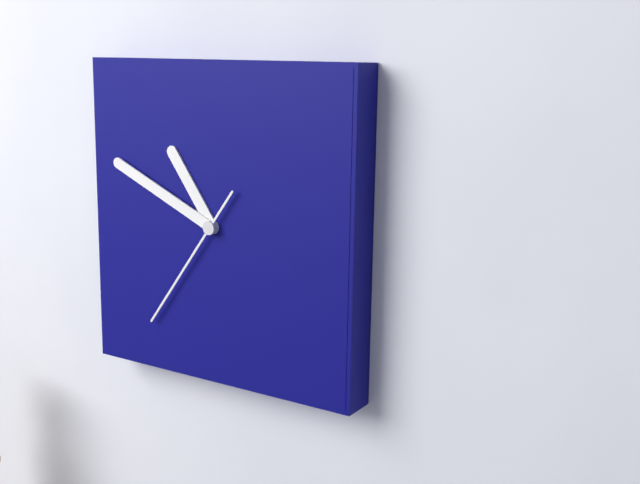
10:49:36
